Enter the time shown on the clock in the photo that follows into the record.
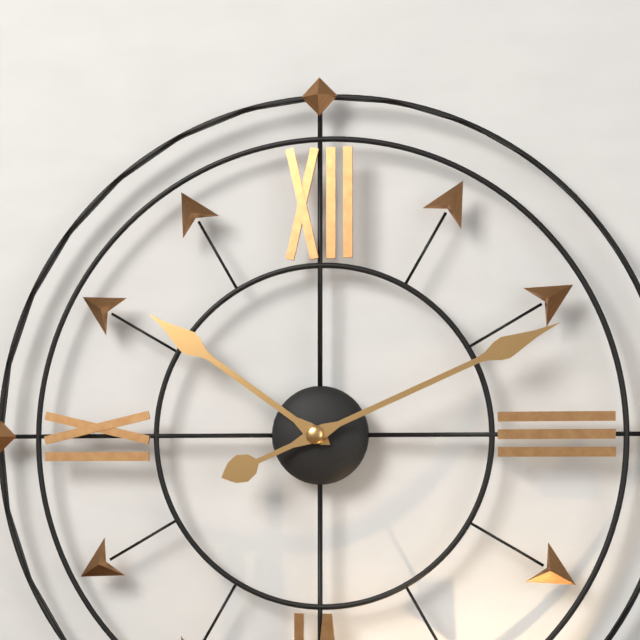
10:11
